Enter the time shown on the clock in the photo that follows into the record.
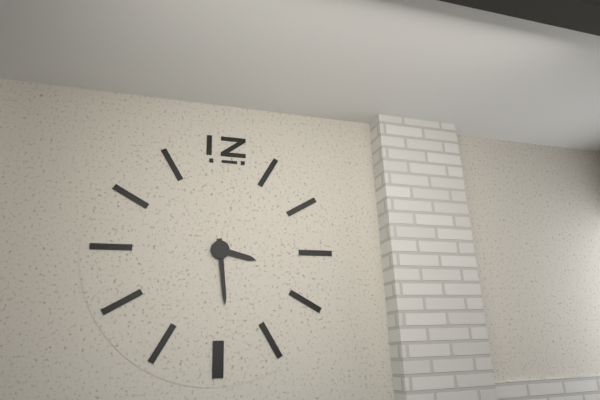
3:29
